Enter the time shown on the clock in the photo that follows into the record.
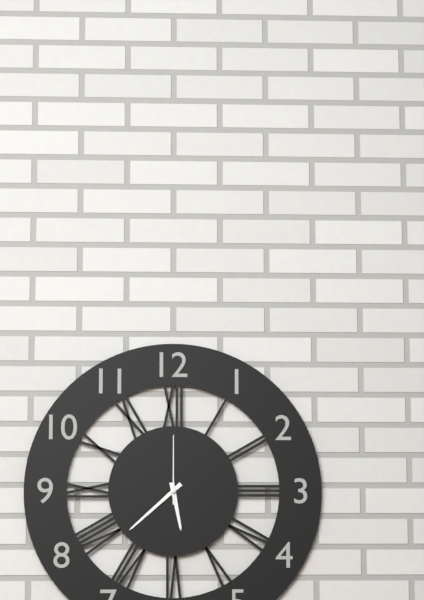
5:38:00
